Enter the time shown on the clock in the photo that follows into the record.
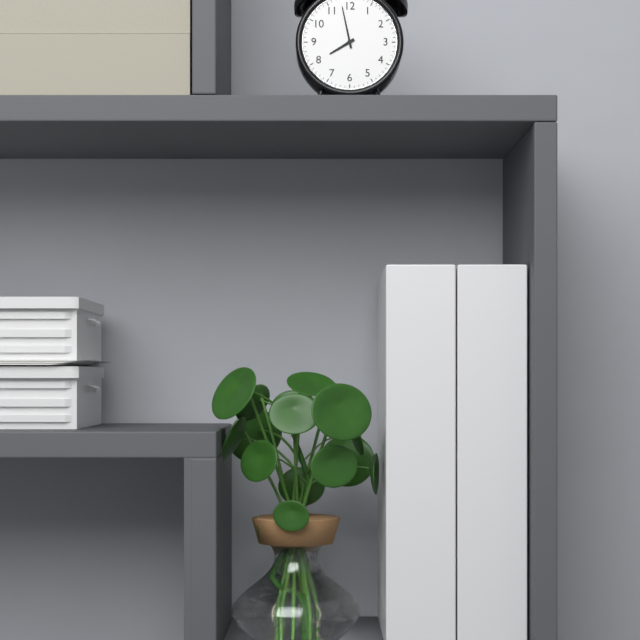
7:58
